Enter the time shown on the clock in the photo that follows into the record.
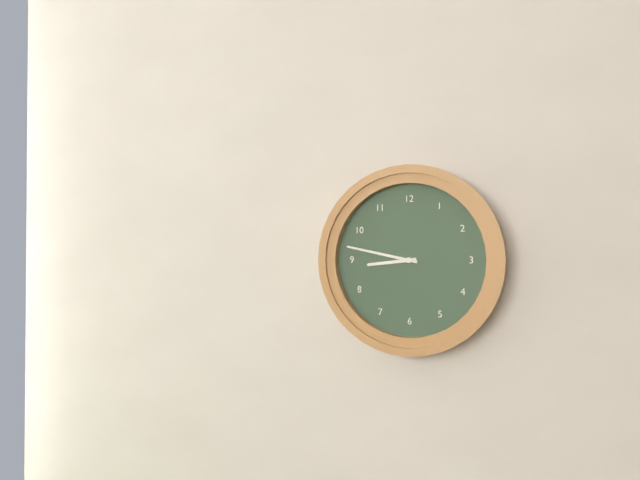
8:47
